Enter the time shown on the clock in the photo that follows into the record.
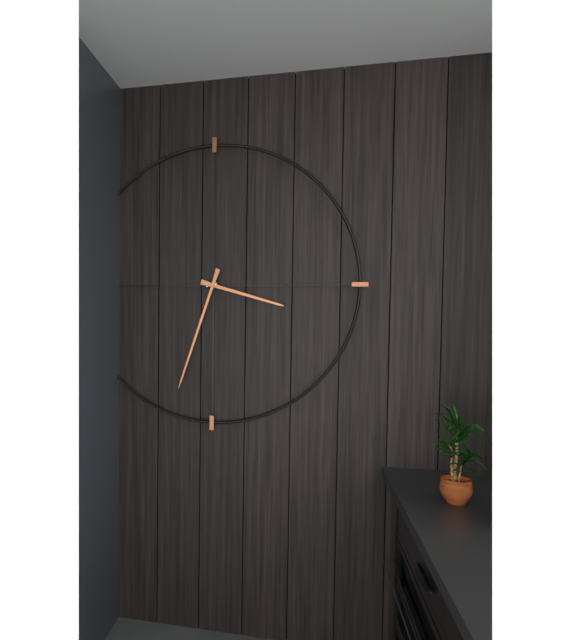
3:33
